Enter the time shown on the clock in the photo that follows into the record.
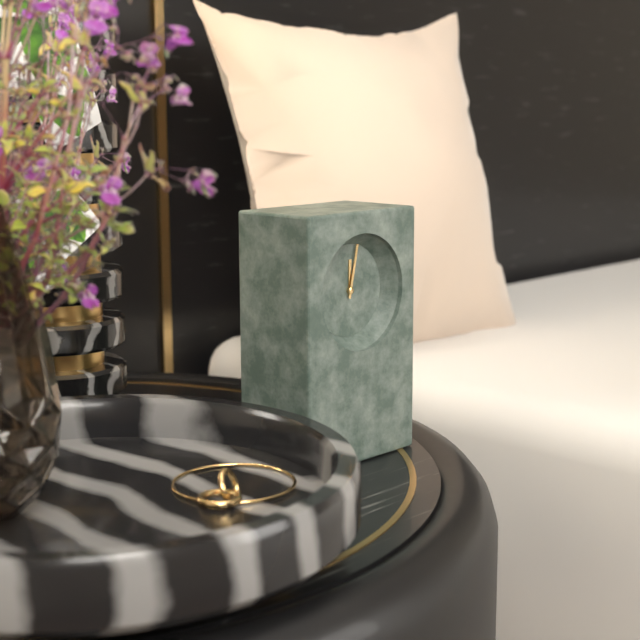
12:02
